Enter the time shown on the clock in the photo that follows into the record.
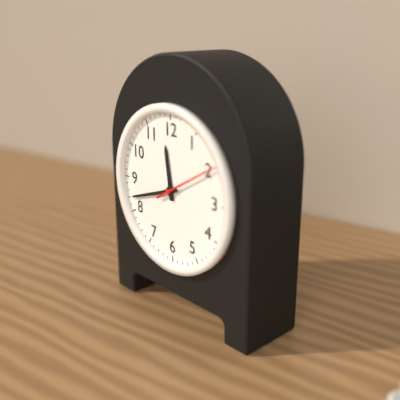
11:42
